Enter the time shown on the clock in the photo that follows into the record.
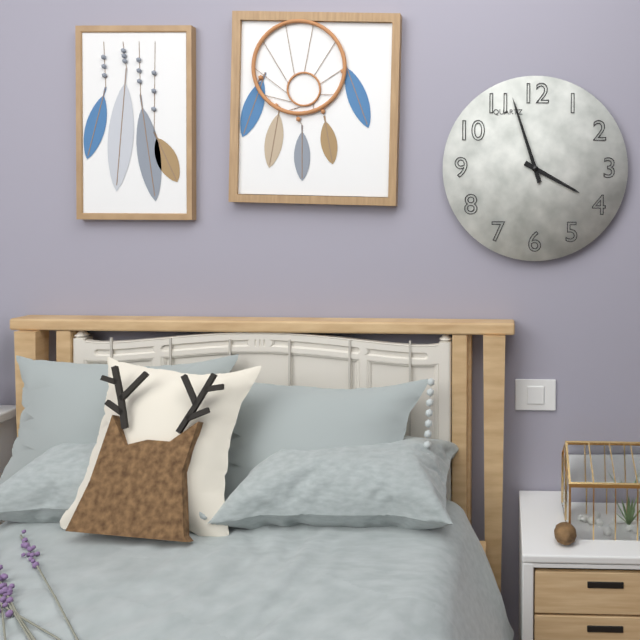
3:57
